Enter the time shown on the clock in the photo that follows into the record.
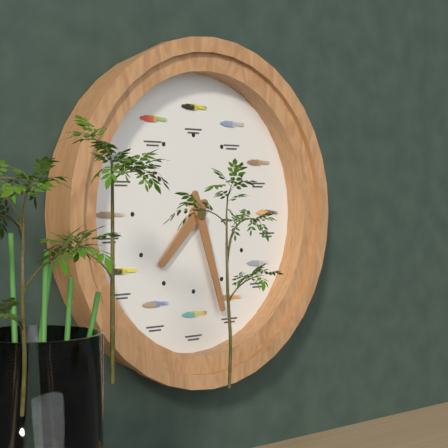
7:27
